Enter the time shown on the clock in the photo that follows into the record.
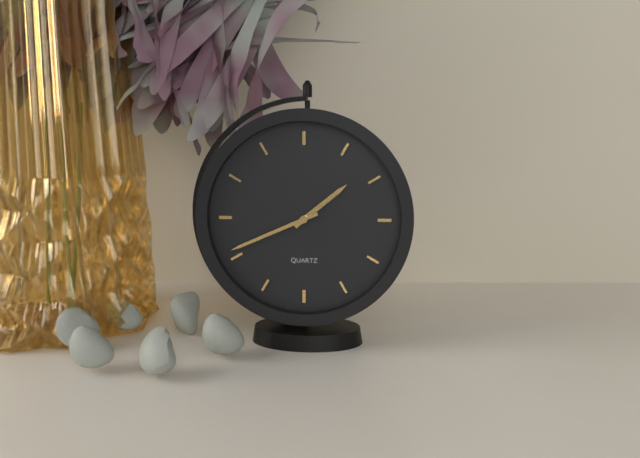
1:41
